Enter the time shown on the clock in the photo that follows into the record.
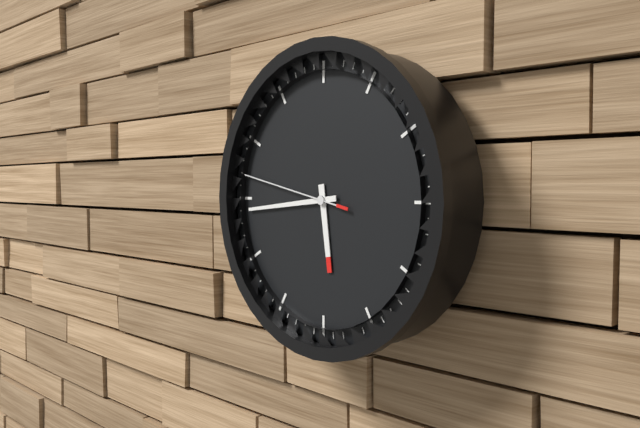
5:44:47
